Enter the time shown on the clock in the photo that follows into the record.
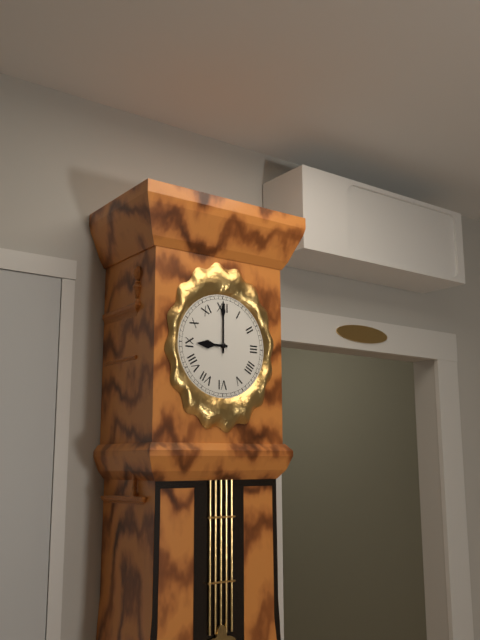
9:00
